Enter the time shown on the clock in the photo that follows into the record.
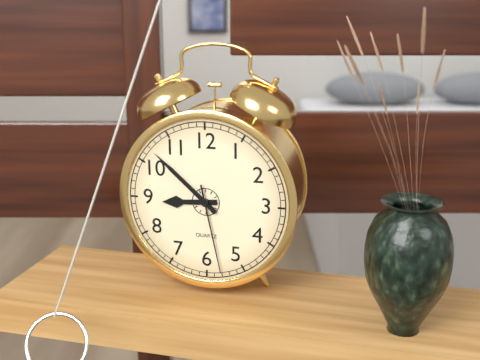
8:52:28
